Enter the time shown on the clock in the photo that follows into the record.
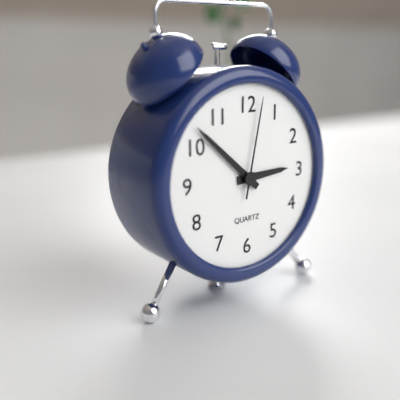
2:52:02
